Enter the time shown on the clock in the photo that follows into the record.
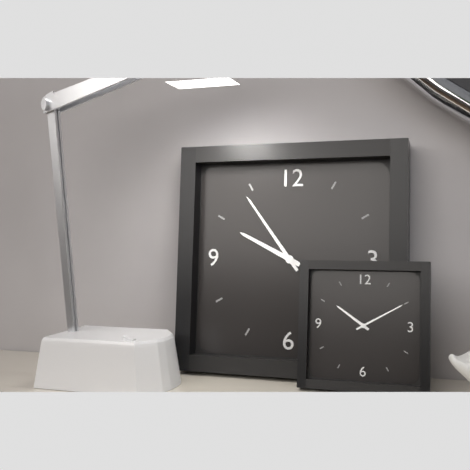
9:54
